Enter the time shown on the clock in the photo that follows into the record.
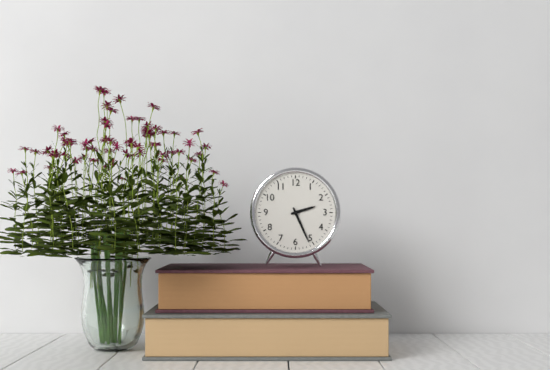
2:26
